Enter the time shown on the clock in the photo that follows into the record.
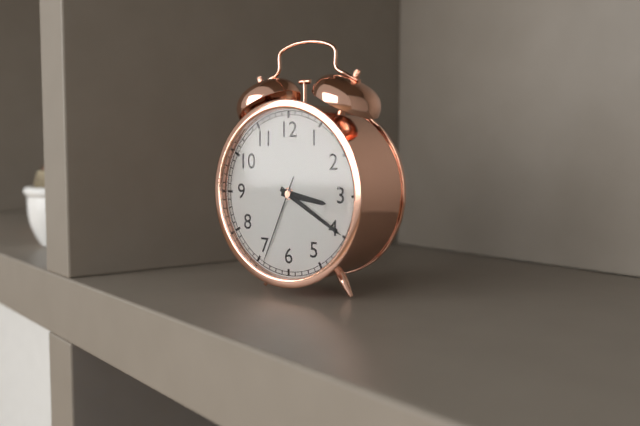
3:20:34
